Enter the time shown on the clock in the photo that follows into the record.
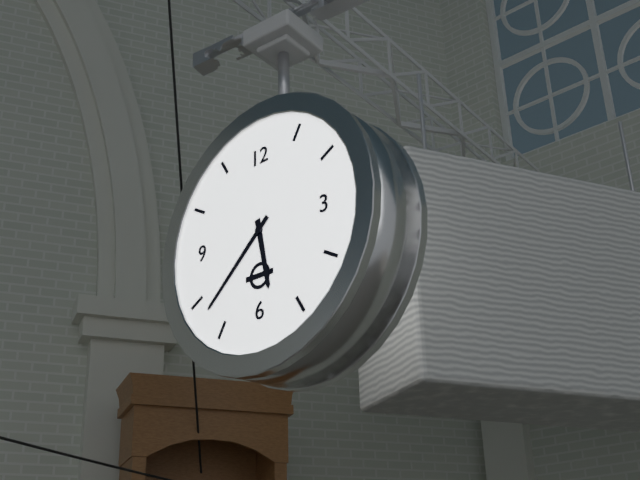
5:38
